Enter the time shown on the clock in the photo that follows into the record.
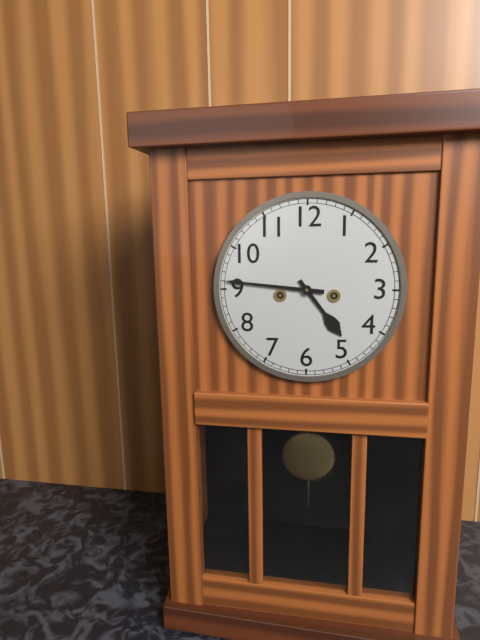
4:46
